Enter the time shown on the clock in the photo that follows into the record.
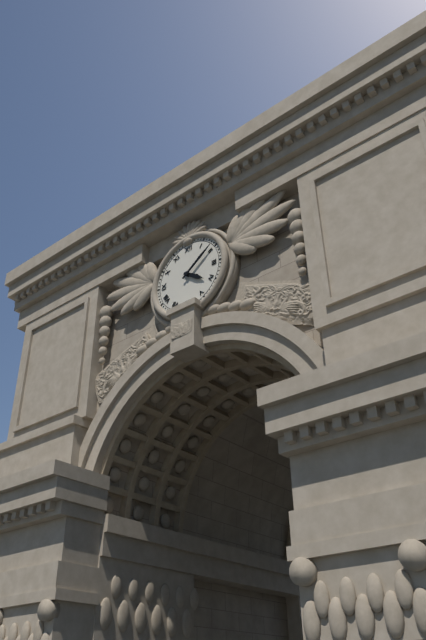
4:09
